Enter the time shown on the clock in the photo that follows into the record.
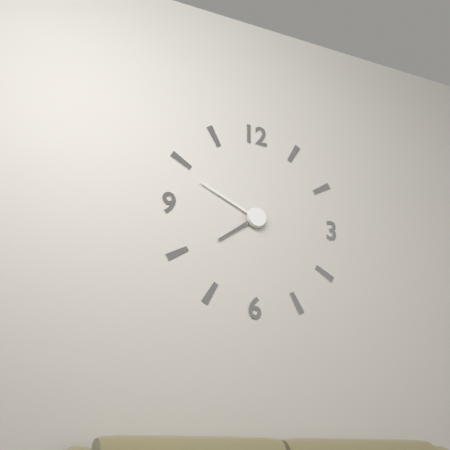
7:49
